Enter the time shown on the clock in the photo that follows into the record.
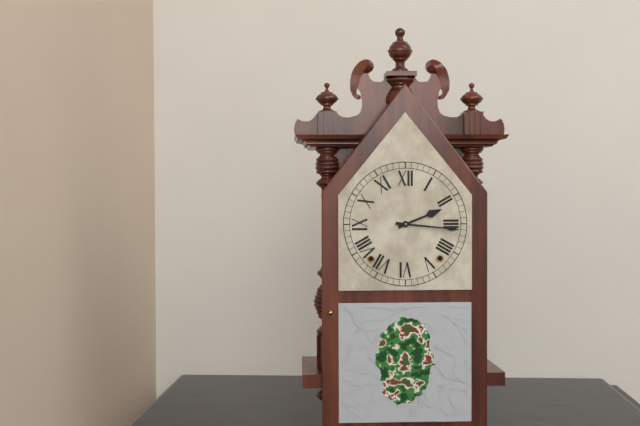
2:16
